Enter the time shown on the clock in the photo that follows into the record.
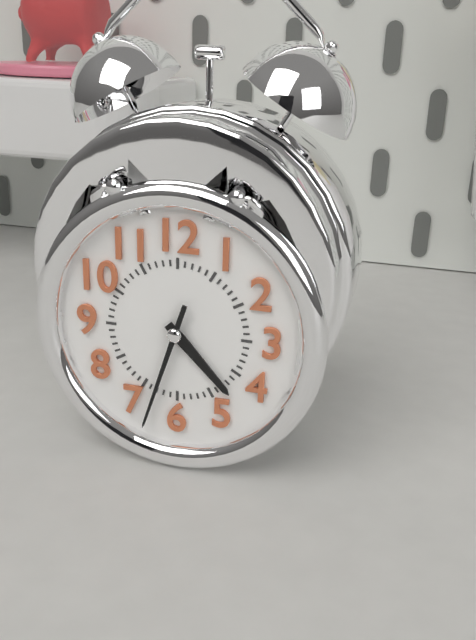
4:33
